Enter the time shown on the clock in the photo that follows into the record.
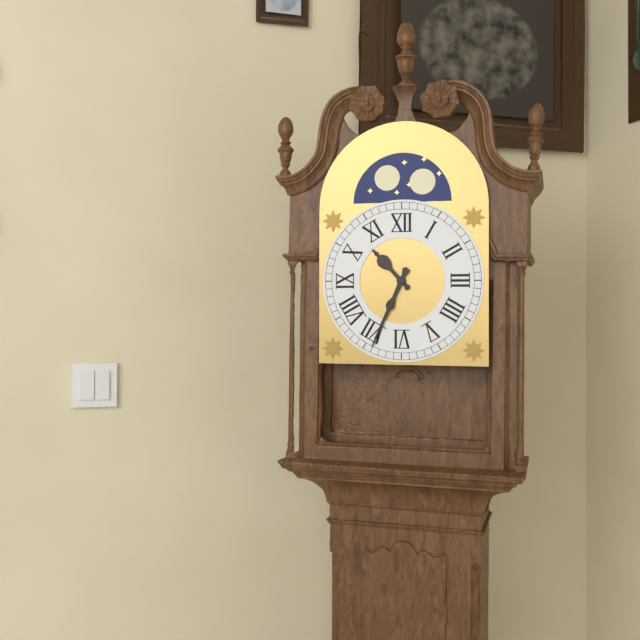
10:34
